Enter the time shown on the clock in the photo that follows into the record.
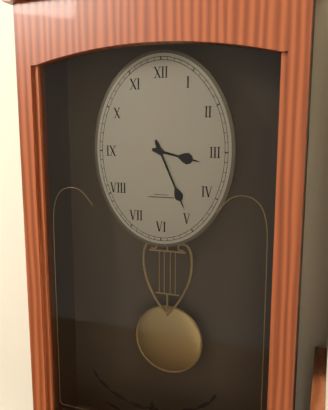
3:26
